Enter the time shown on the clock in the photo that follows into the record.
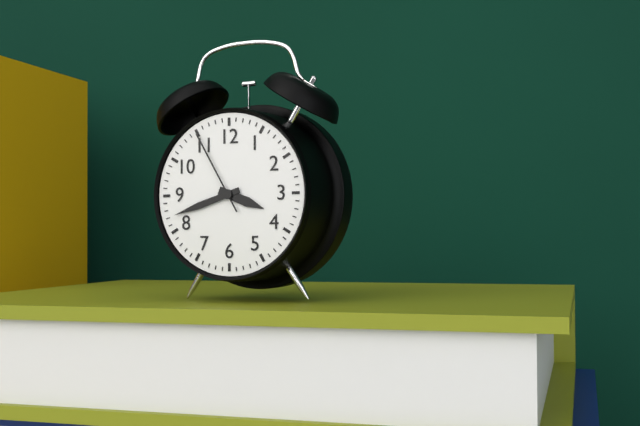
3:42:55
